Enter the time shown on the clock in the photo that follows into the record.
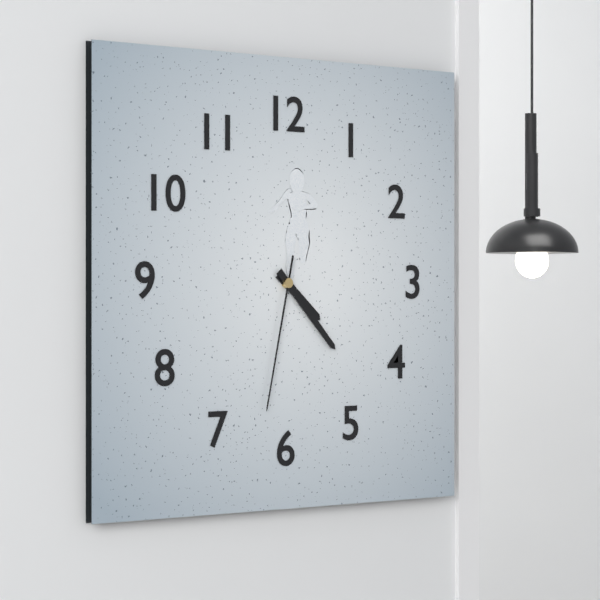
4:23:32
